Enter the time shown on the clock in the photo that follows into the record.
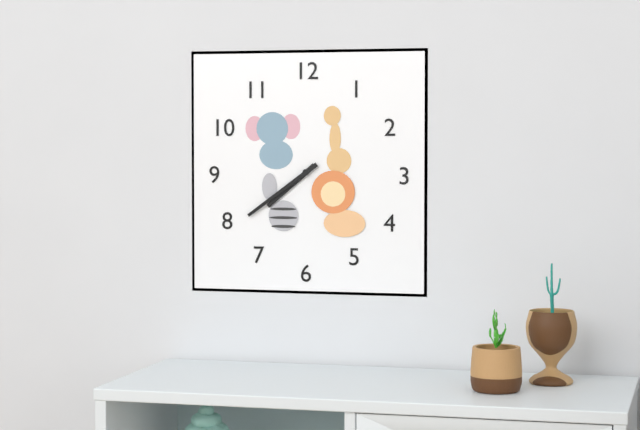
7:39
